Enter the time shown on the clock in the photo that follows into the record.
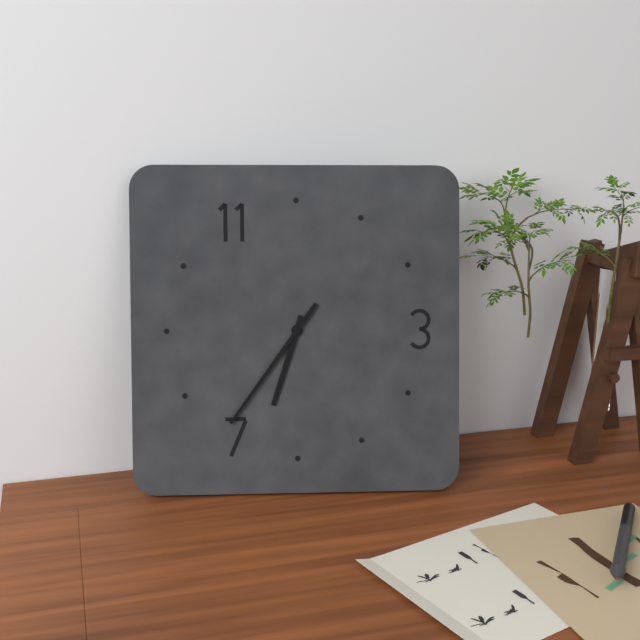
6:36
